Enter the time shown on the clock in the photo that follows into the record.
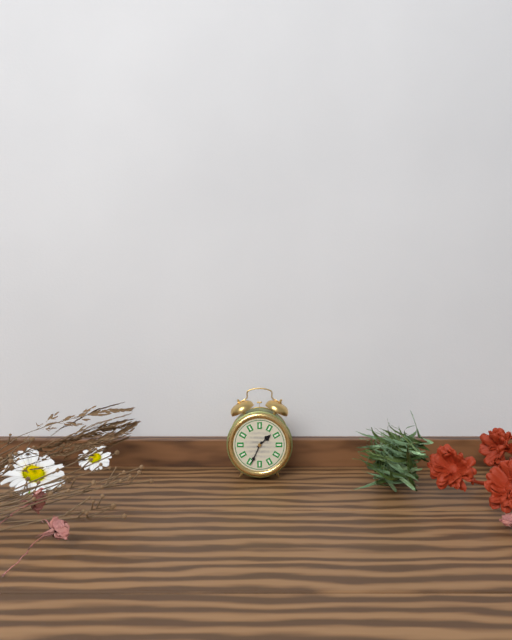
1:34
